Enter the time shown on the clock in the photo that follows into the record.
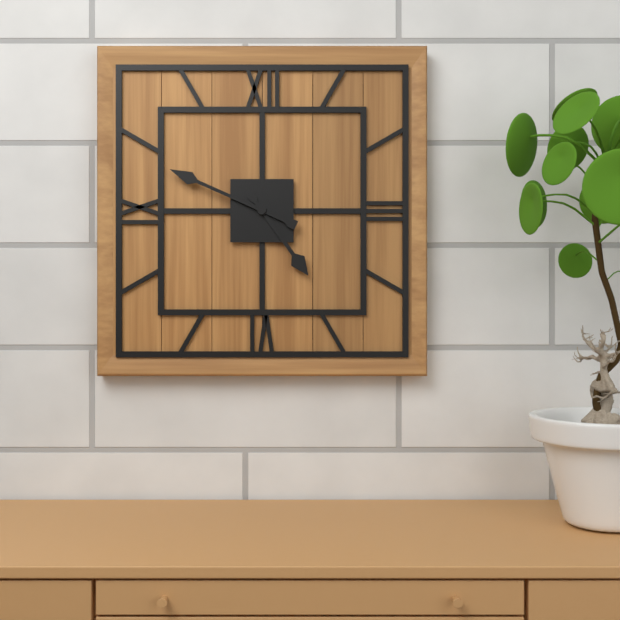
4:49
